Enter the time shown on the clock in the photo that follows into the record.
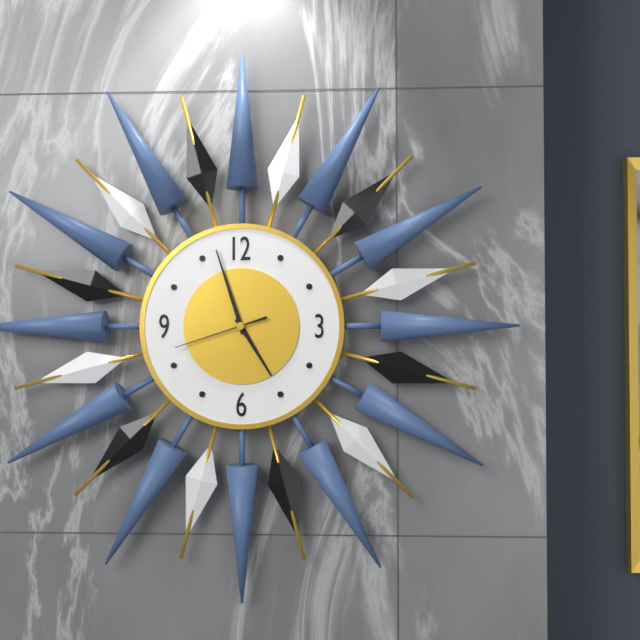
4:57:42
